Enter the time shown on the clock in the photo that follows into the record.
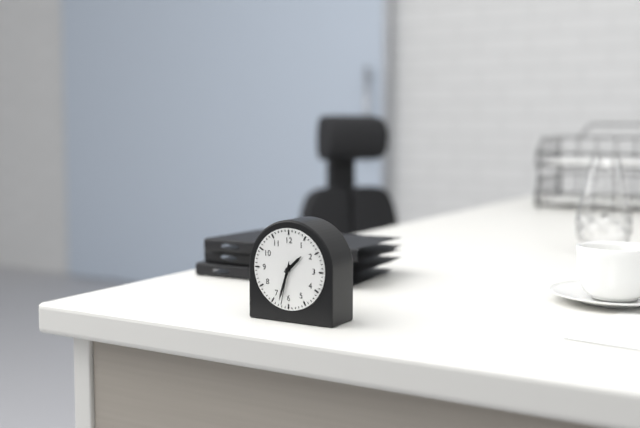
1:33:32
